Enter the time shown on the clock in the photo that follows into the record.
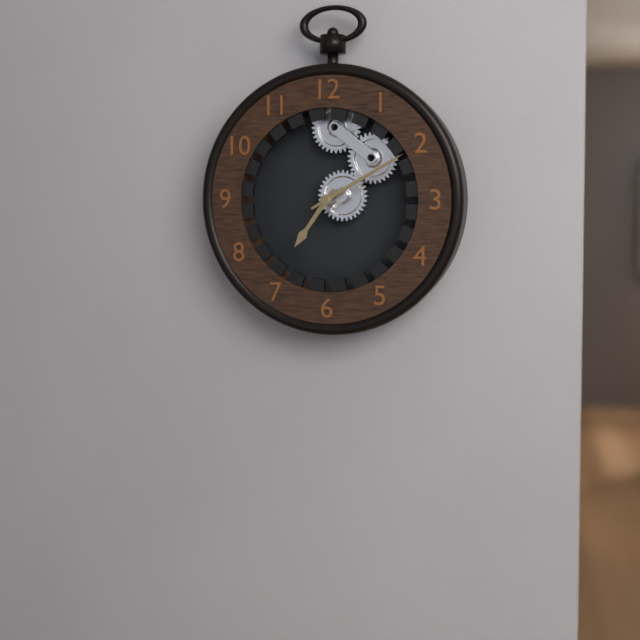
7:10
